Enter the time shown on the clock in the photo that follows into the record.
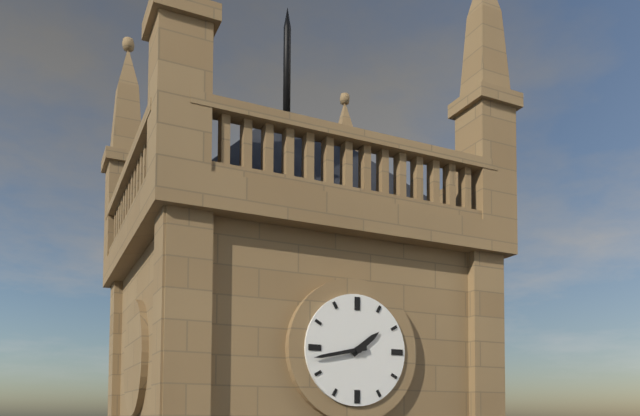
1:43
